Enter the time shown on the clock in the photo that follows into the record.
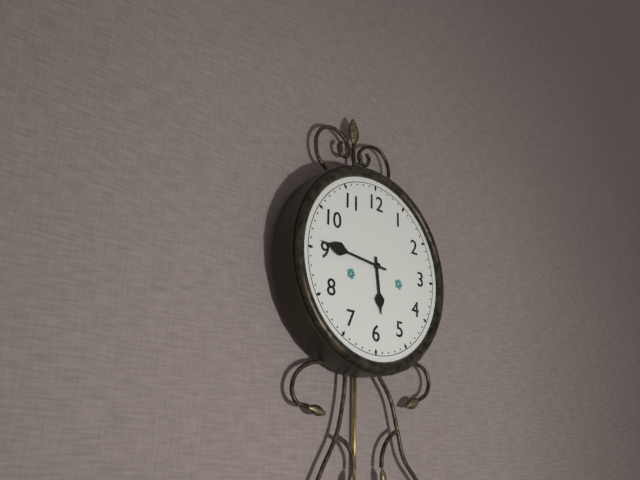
5:46
